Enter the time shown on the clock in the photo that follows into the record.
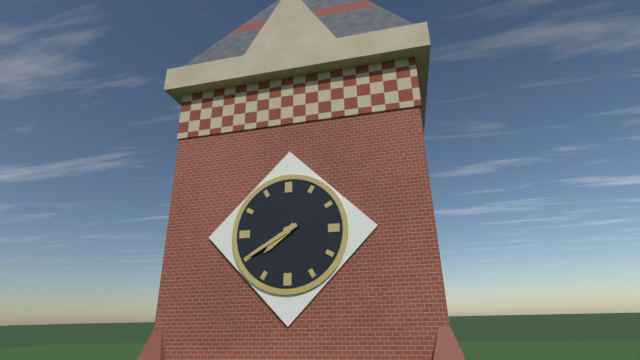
7:40
